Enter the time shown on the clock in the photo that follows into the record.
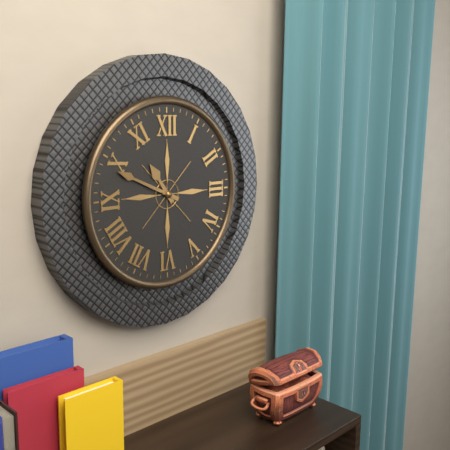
10:49
